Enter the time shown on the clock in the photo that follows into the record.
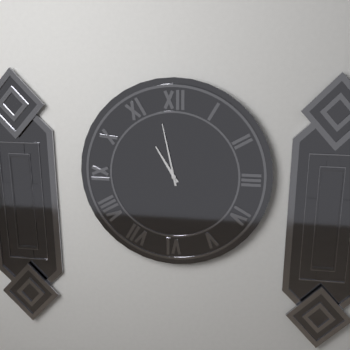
10:58
